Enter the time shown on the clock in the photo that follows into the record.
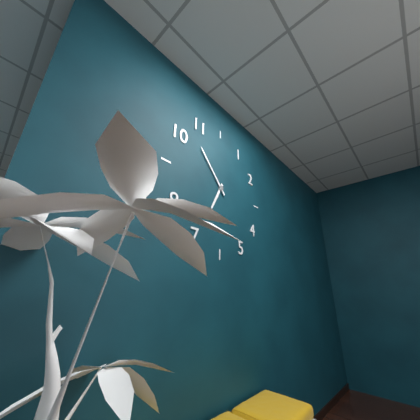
6:53
